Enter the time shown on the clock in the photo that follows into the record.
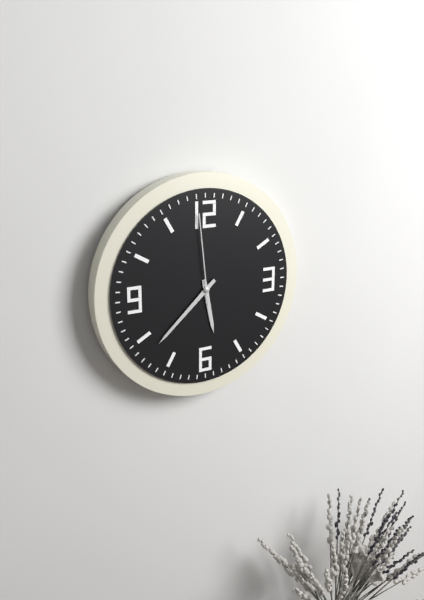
5:38:59
